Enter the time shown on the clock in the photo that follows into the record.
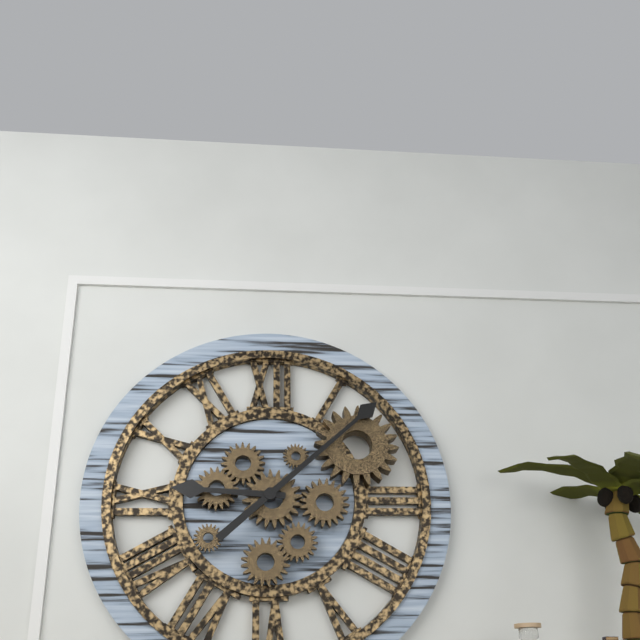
9:08
